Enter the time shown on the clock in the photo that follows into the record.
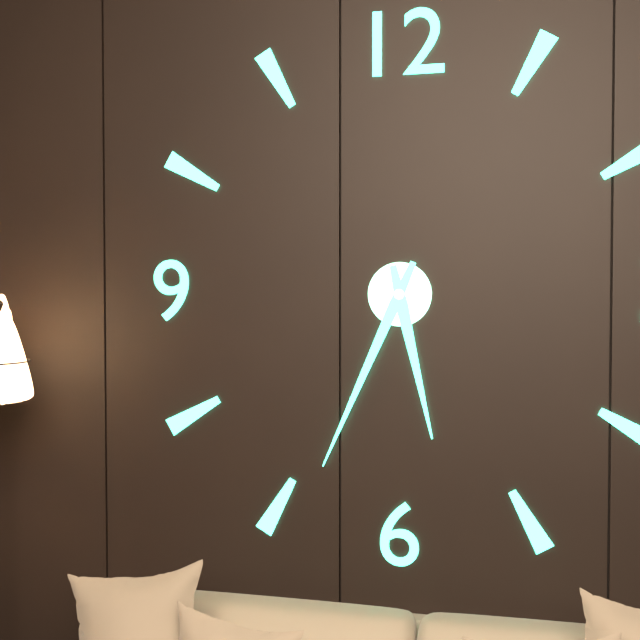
5:34
